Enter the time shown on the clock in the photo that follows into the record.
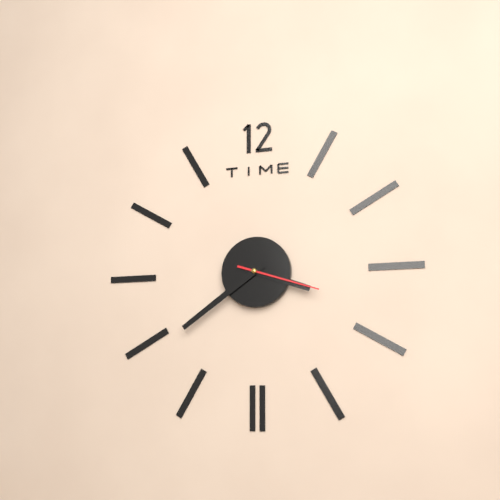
3:39:18
